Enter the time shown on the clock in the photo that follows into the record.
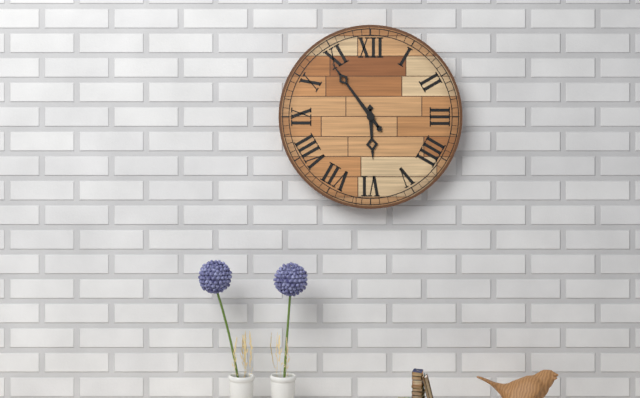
5:54
